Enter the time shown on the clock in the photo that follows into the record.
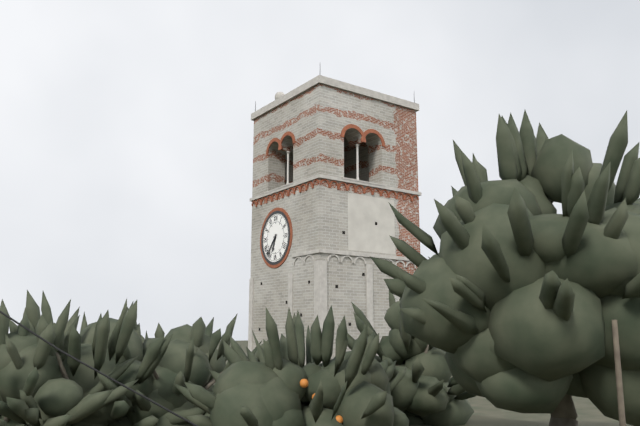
6:37
